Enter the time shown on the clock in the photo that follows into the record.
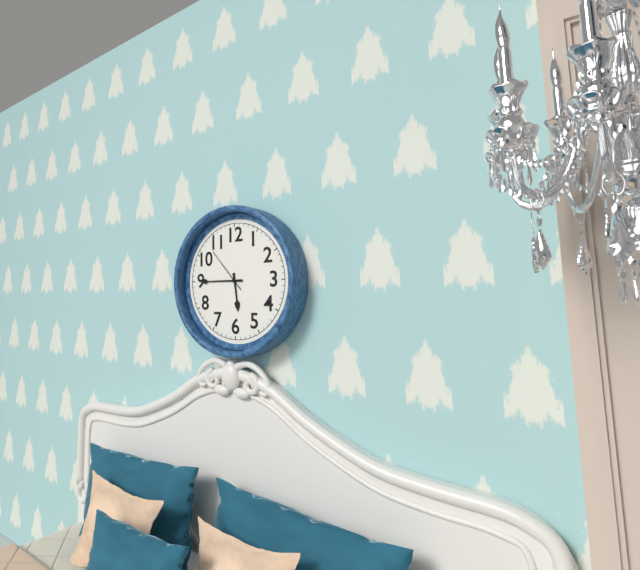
5:45
